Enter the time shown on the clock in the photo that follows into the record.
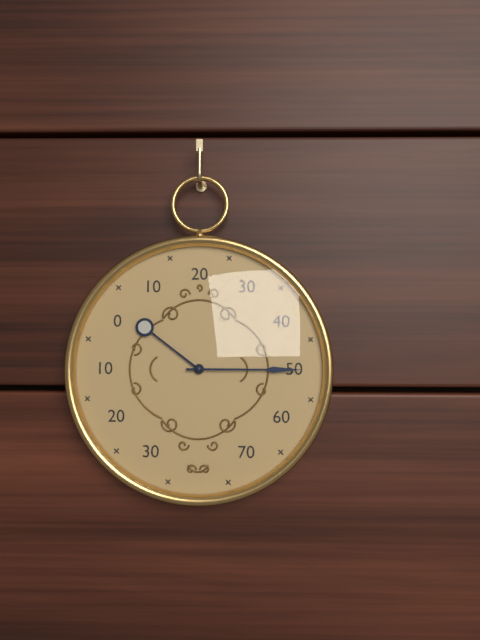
10:15
